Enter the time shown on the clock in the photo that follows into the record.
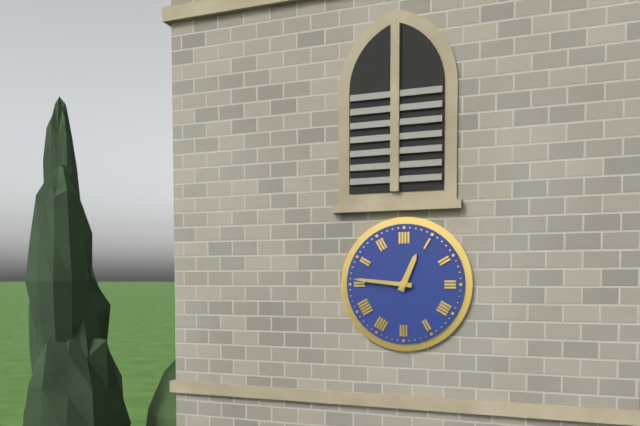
12:46
